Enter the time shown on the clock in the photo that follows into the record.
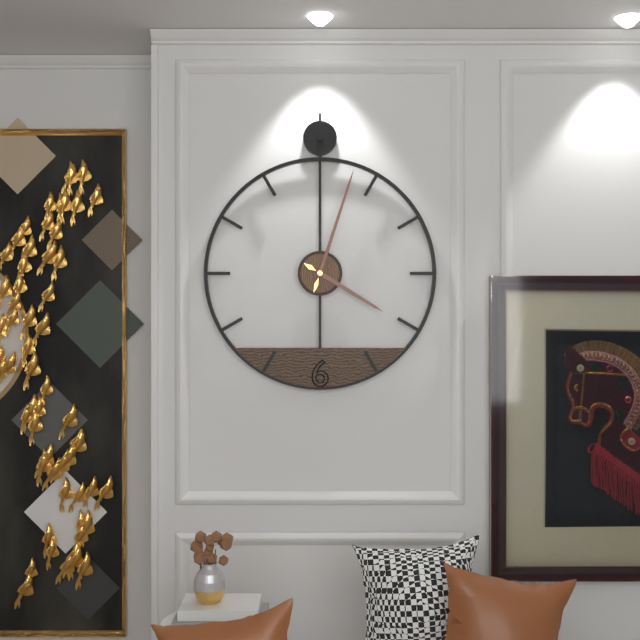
4:03
